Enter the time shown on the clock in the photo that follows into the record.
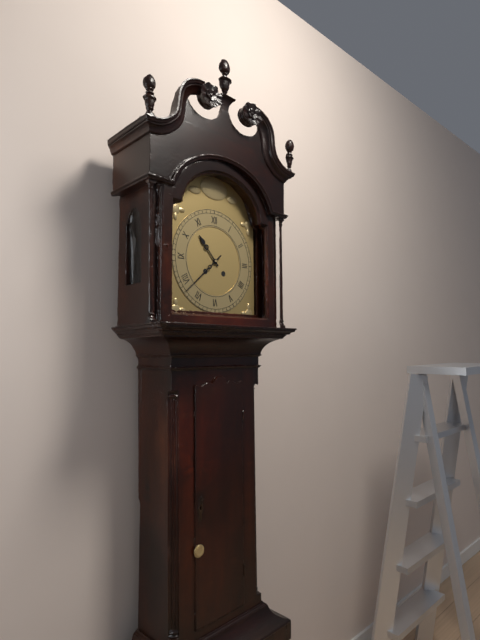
10:38
